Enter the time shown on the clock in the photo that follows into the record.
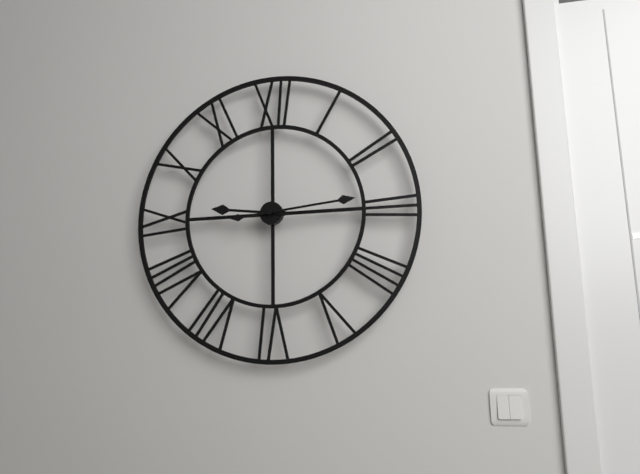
9:14
